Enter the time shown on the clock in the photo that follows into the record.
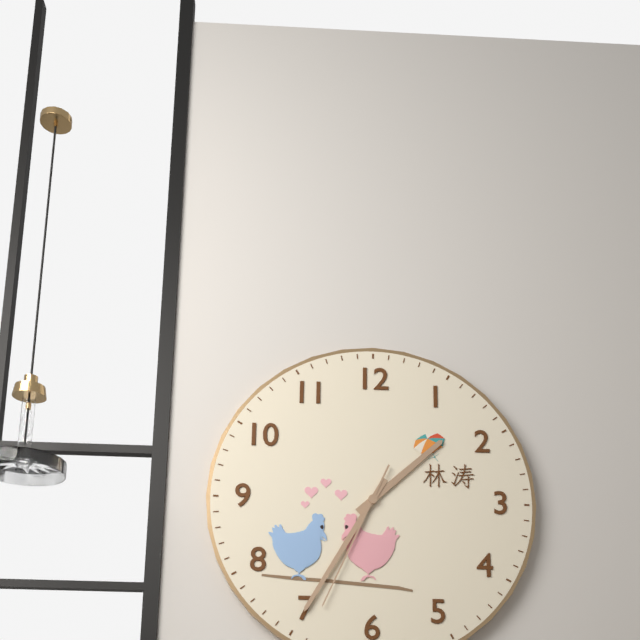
1:35:34
